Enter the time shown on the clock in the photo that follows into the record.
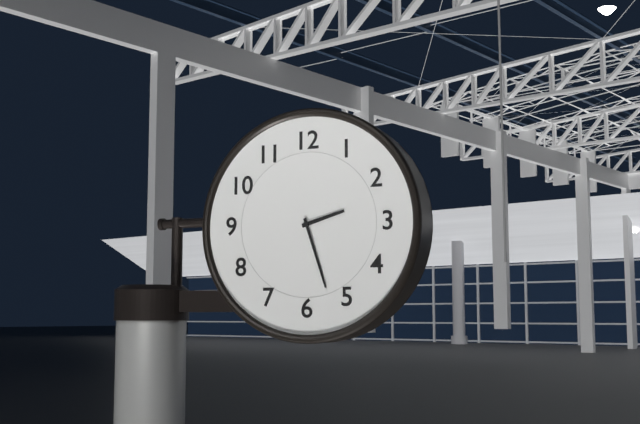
2:27
